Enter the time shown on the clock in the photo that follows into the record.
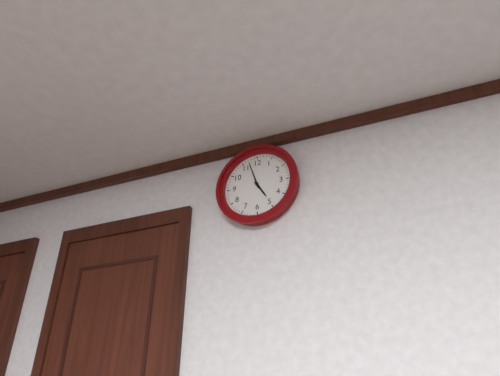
4:57
